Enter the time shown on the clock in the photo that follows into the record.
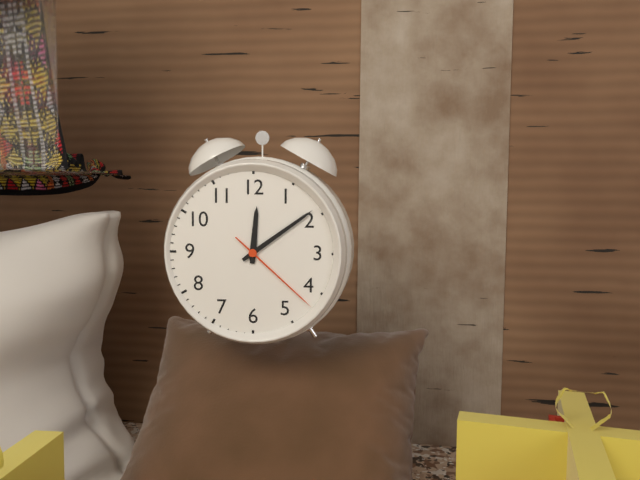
12:09:22
